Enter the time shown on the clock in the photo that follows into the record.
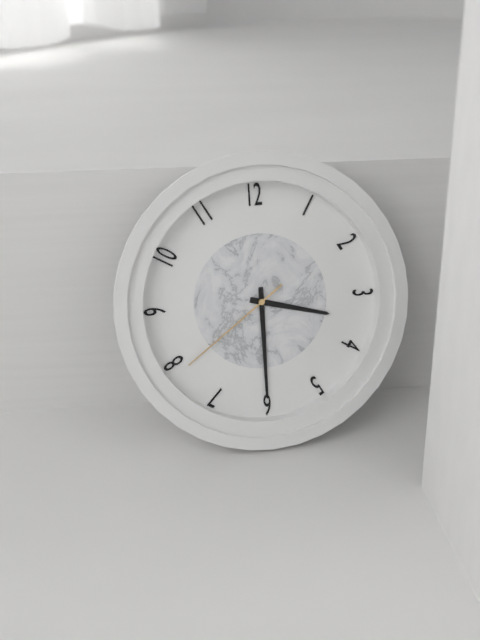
3:30:39
